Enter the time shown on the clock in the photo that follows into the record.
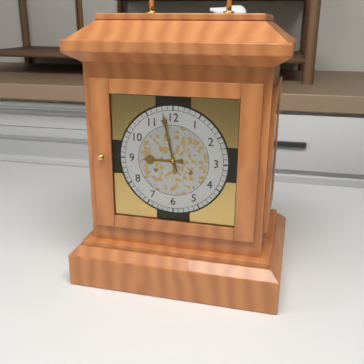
8:58
